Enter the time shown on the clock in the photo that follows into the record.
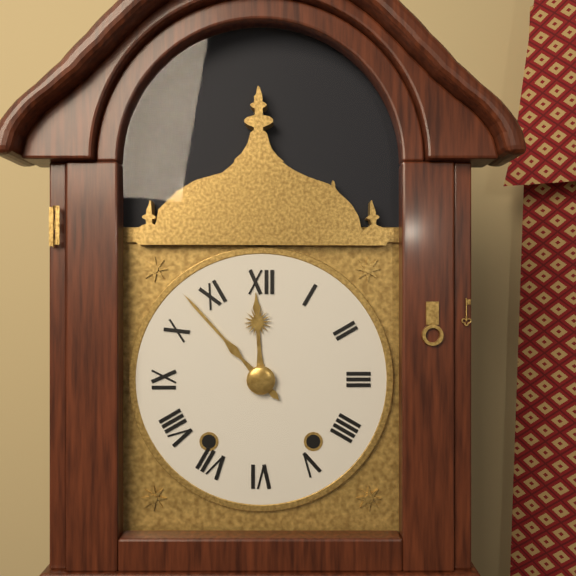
11:53
